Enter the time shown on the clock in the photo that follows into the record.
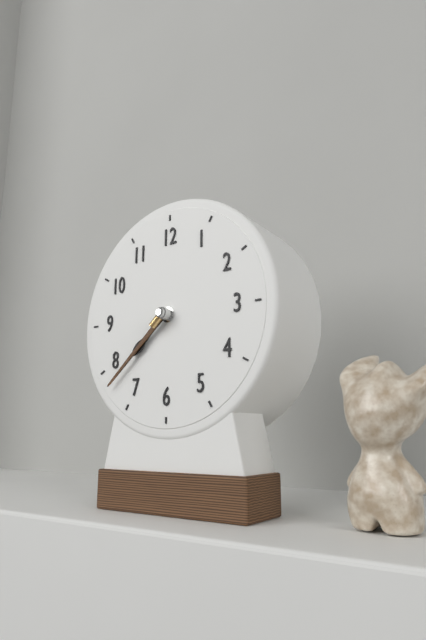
7:38
